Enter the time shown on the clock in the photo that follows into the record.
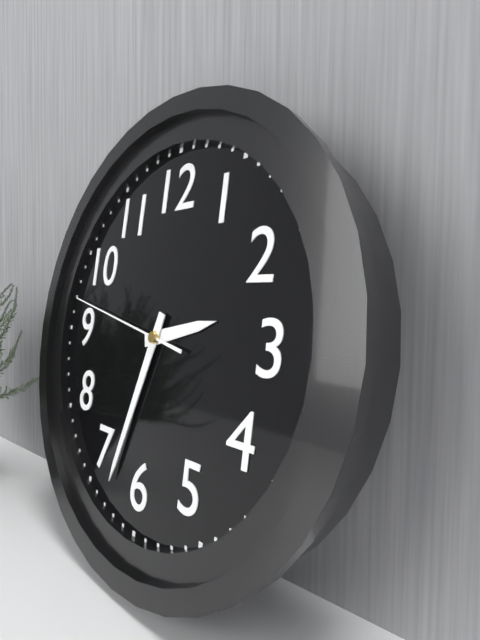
2:33:47
